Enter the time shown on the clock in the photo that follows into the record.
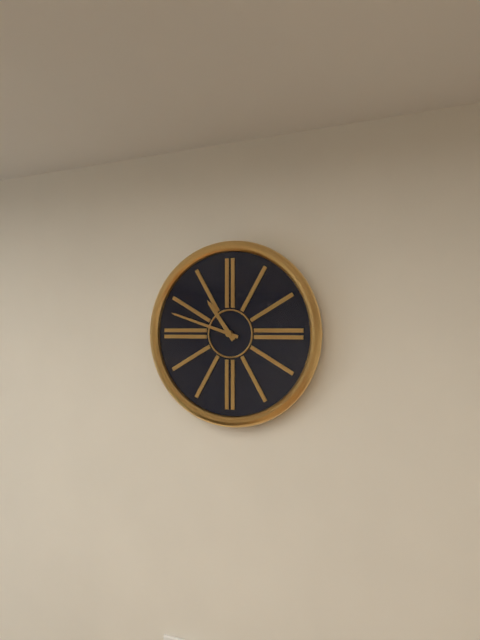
10:48
